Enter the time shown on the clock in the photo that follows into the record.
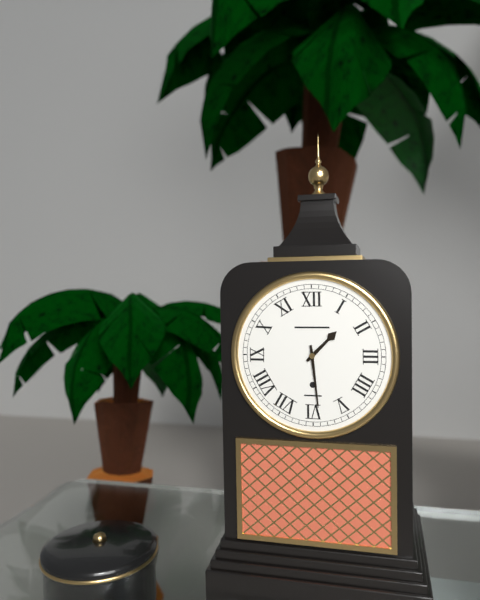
1:29
